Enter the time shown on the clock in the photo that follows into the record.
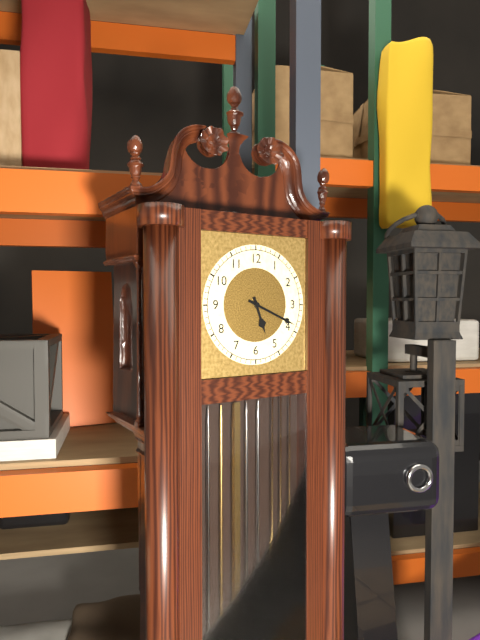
5:19
